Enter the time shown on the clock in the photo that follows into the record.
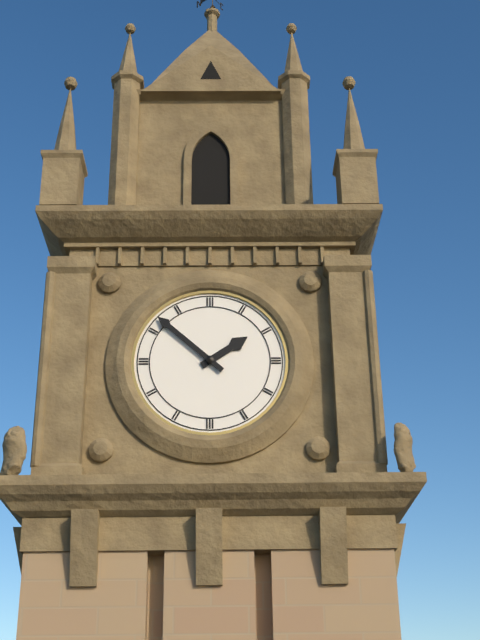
1:52
